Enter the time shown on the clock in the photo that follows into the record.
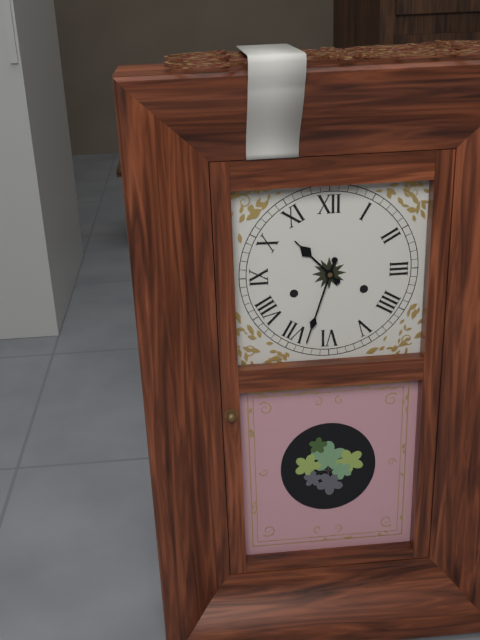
10:33
